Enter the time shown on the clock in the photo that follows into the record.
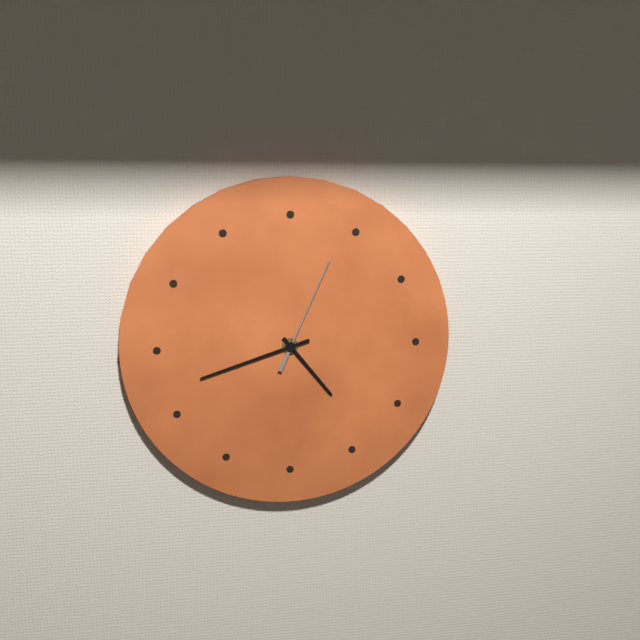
4:42:04
